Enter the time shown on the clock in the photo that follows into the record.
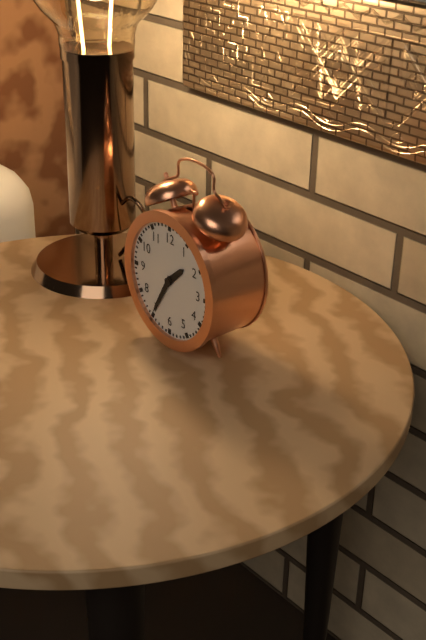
1:35
